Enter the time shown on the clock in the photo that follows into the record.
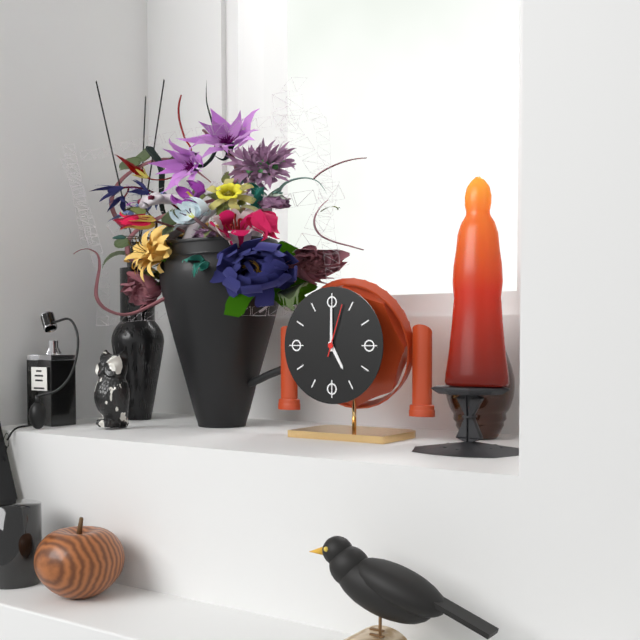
5:00:03
